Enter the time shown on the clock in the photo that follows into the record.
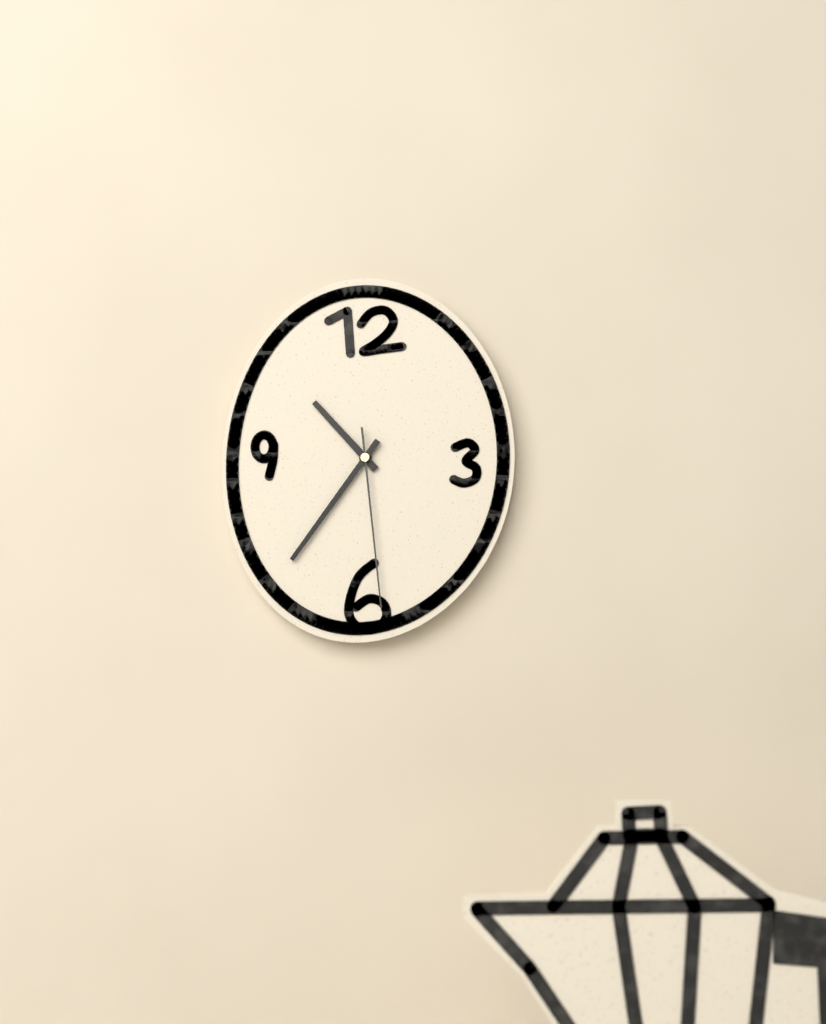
10:36:29
